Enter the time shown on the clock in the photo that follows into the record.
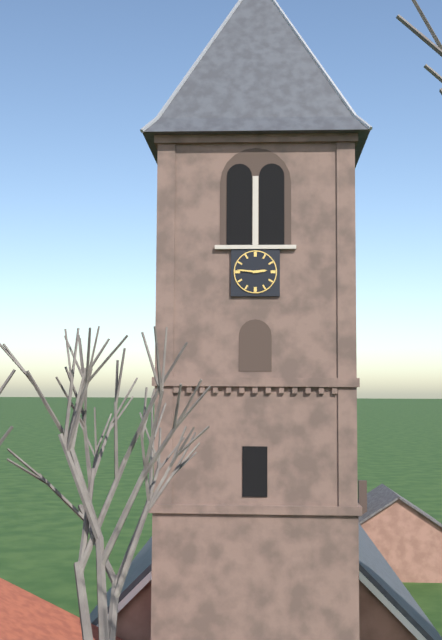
2:46
